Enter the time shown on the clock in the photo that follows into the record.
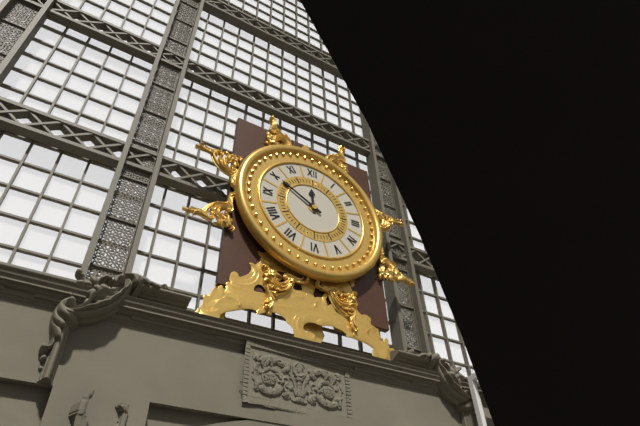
11:50
